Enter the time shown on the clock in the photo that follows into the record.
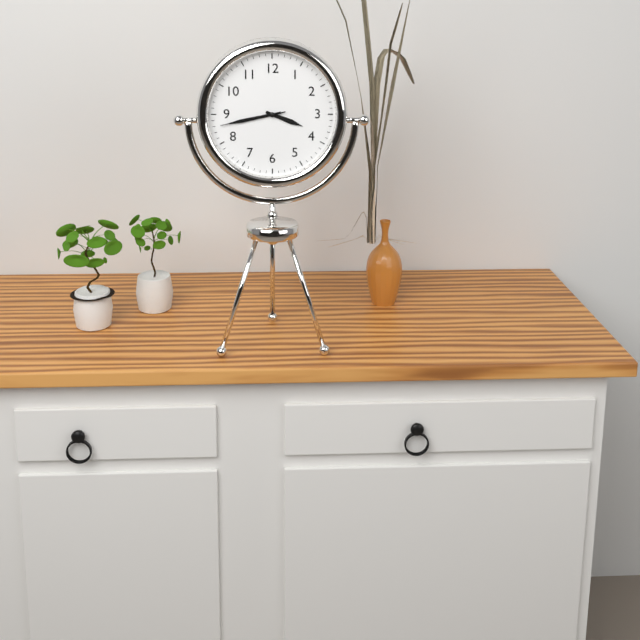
3:43:43
